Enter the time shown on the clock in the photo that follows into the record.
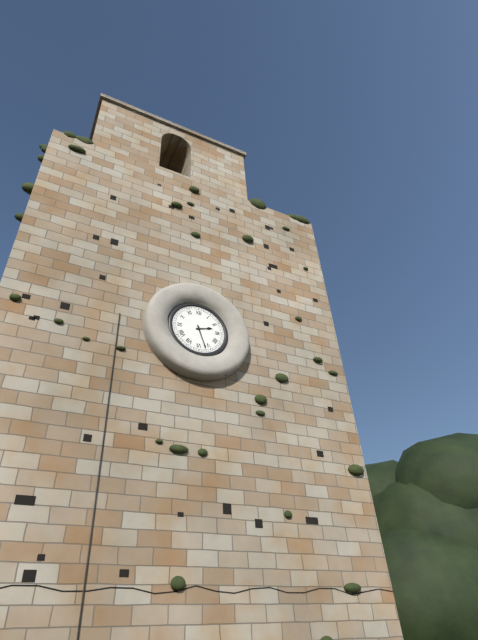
2:27
